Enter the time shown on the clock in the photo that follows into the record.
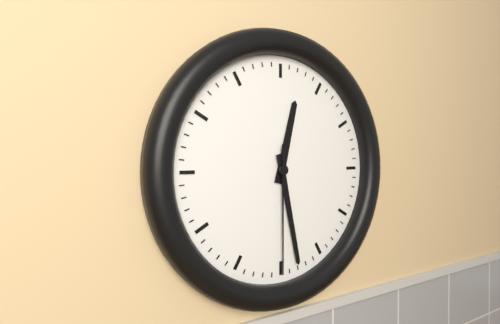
12:28:30
